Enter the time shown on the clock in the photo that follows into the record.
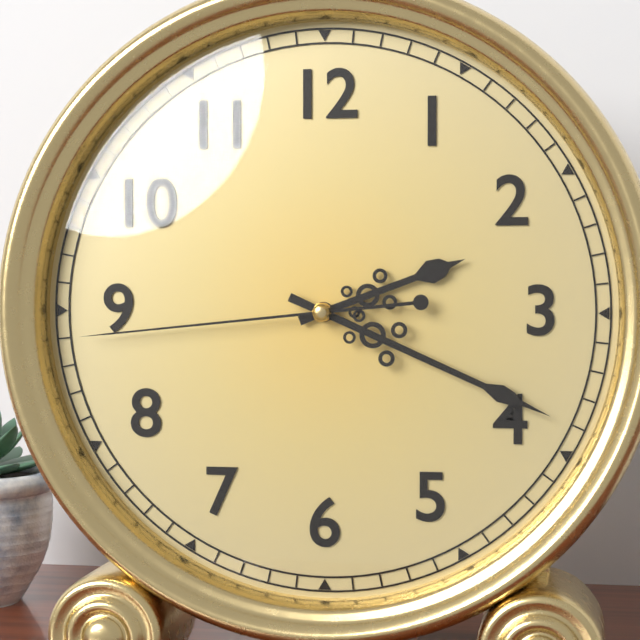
2:19:44
